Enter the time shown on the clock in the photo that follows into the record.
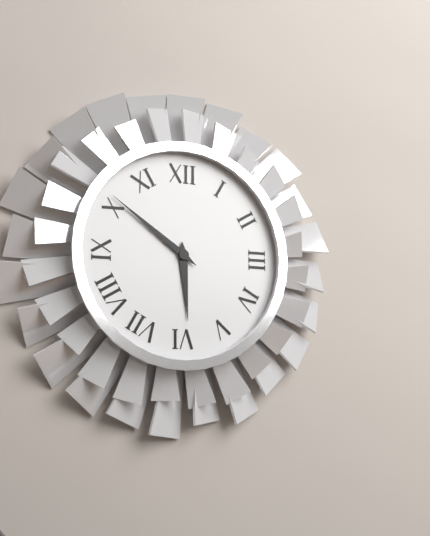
5:51
